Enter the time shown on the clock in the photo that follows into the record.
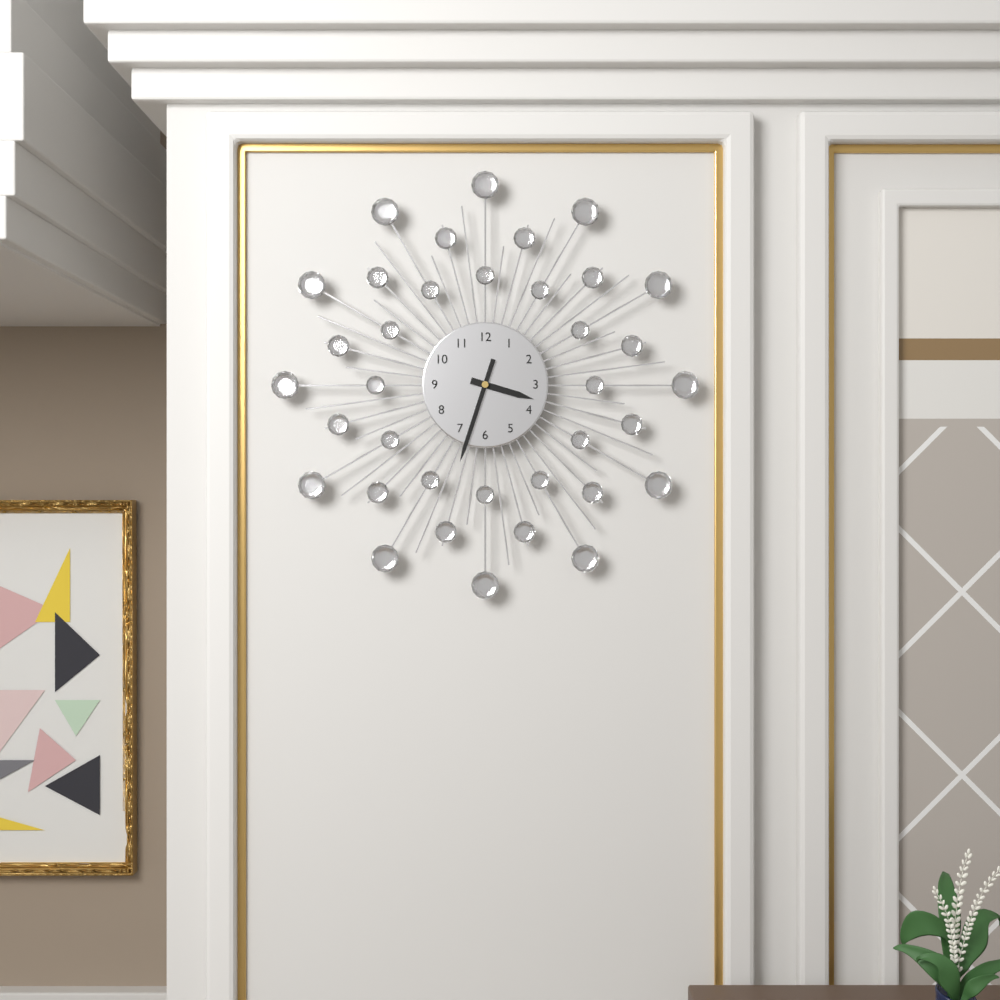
3:33
